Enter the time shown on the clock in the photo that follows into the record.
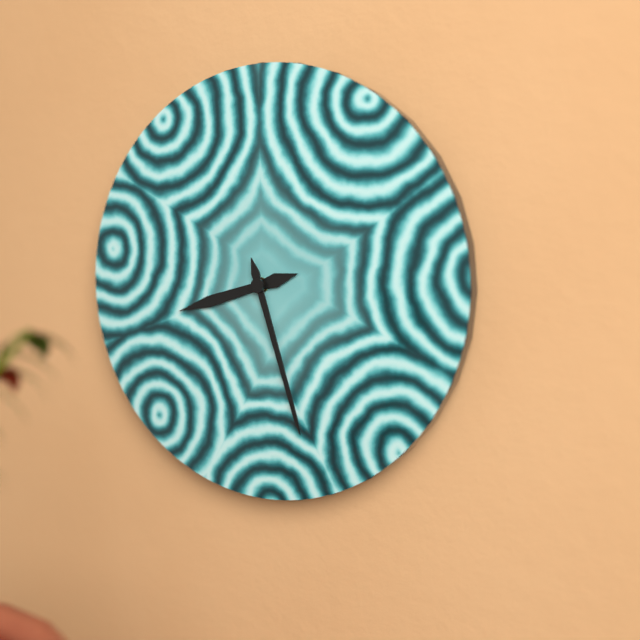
8:27
